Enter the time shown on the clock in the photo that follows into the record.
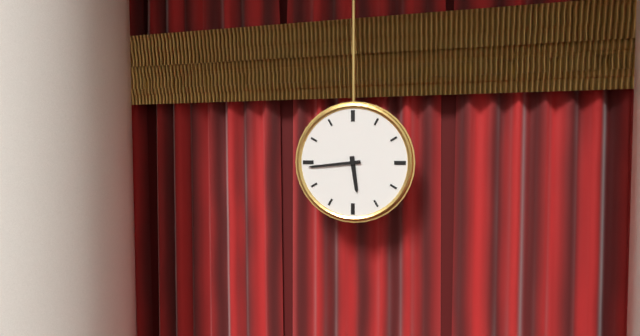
5:44
